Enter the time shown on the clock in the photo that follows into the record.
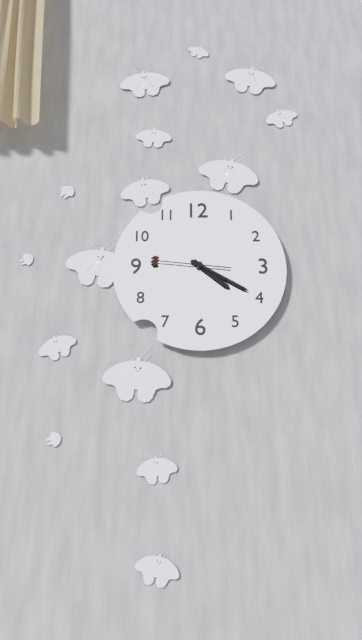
4:20:46
